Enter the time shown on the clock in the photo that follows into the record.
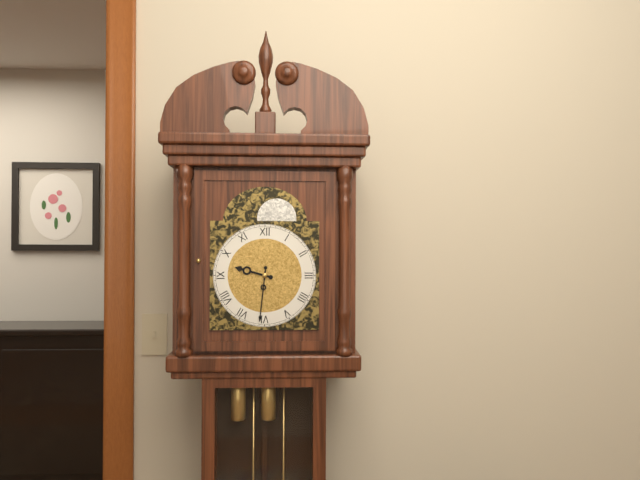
9:31
